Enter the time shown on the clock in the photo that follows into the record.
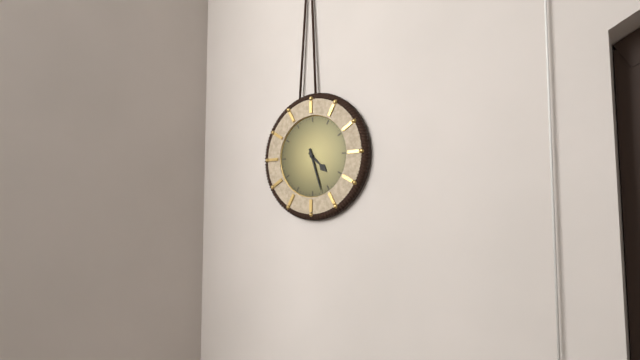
4:27
